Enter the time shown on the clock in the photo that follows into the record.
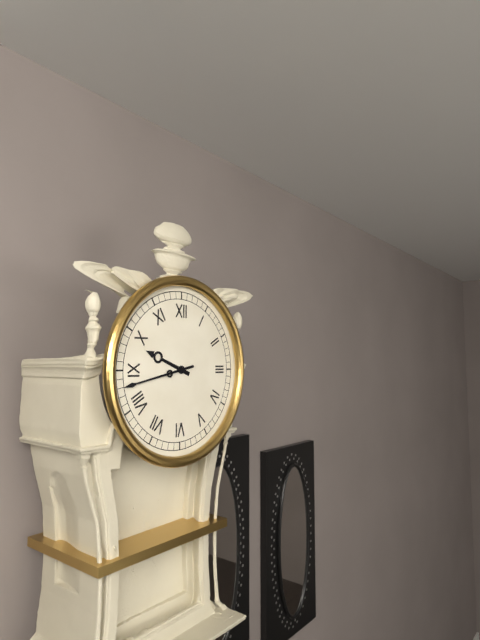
9:43
